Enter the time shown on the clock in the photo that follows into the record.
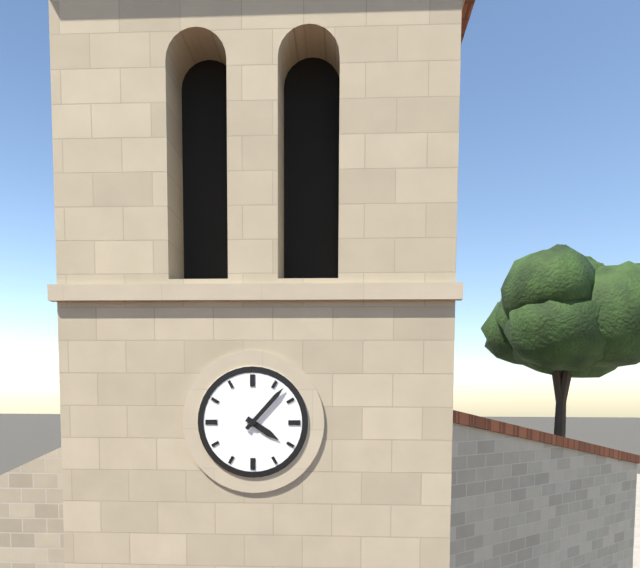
4:07
